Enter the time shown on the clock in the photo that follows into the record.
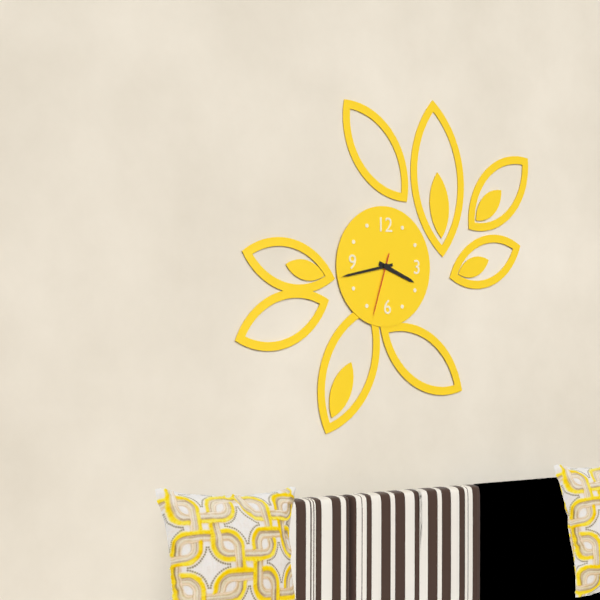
3:43:33
